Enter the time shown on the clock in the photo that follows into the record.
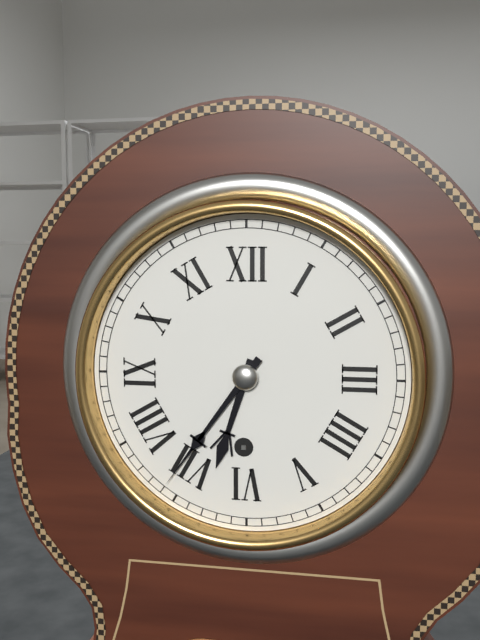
6:36
